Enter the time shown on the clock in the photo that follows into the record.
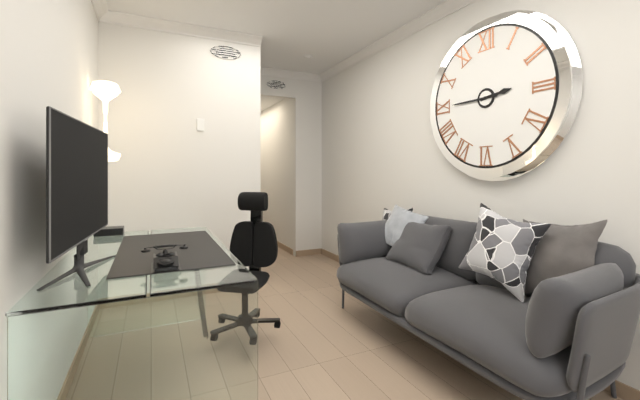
2:45
